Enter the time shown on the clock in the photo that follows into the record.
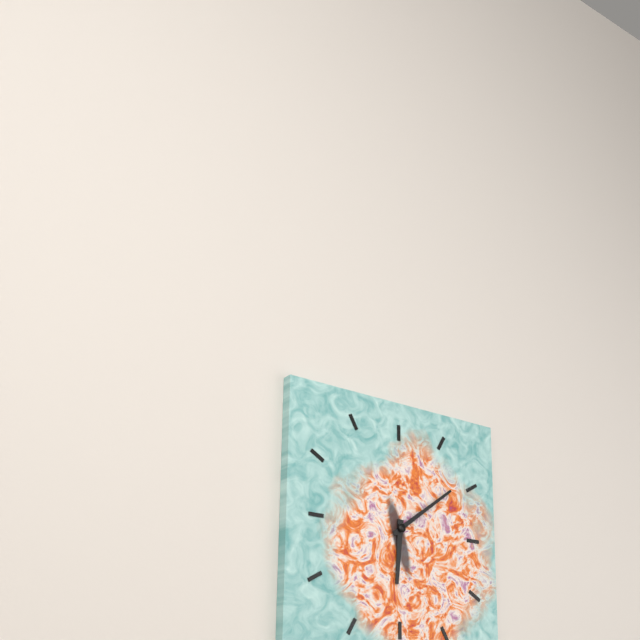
6:09
